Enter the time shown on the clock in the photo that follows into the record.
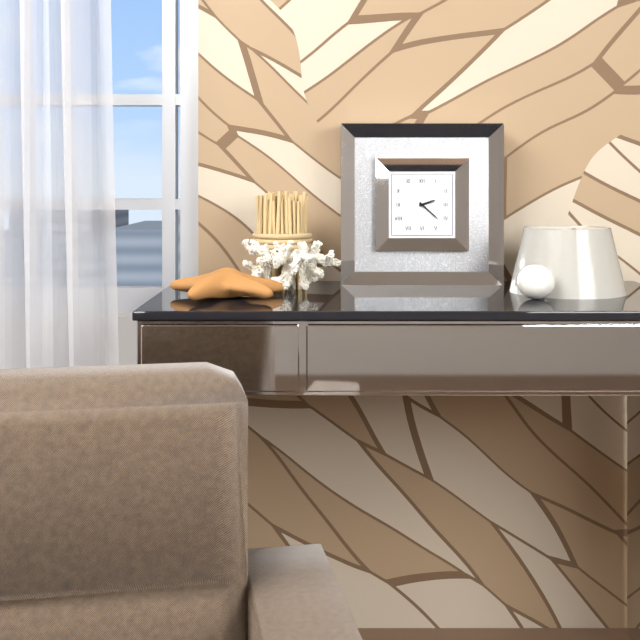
2:22
